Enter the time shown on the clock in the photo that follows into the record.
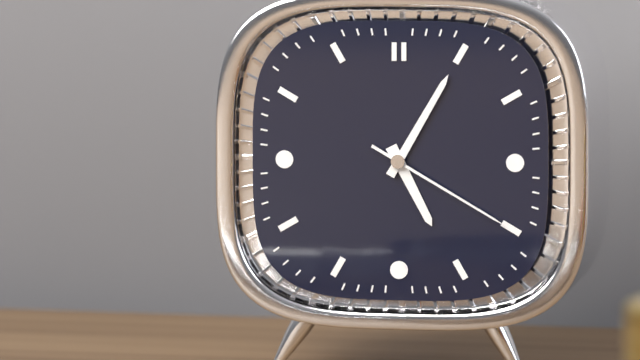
5:05:20
